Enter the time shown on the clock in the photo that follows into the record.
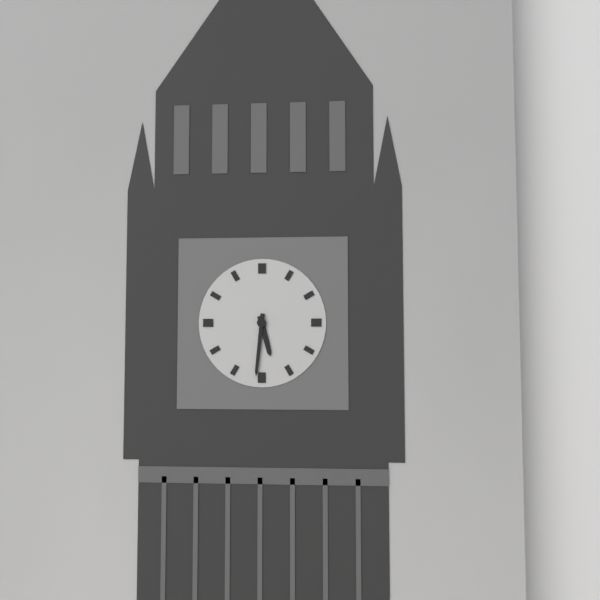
5:31
